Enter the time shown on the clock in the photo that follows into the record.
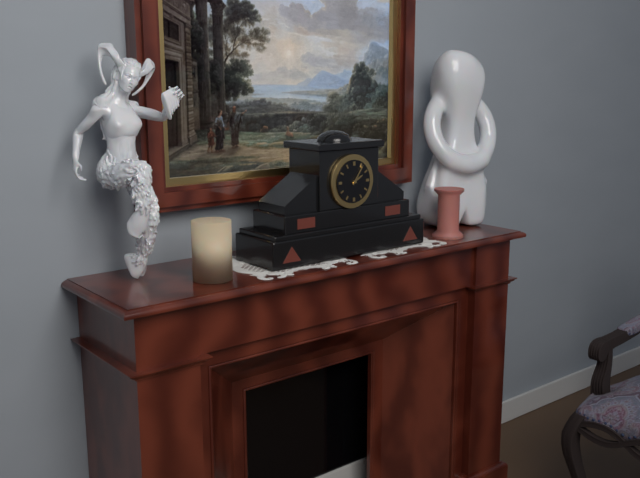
2:06
